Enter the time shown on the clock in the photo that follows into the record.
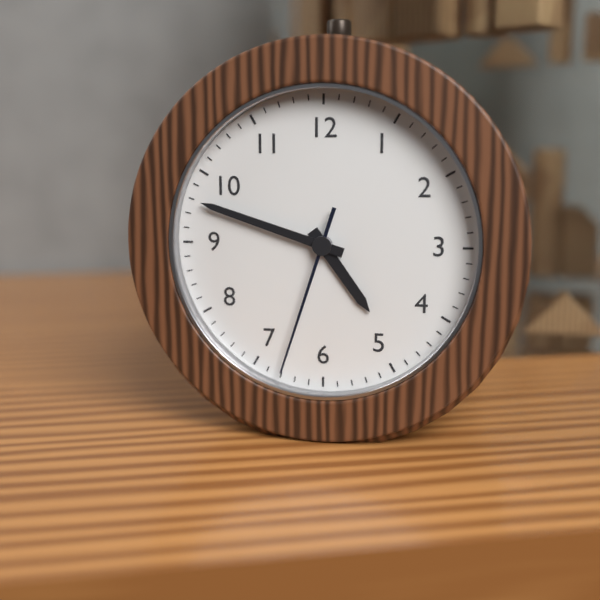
4:48:33
